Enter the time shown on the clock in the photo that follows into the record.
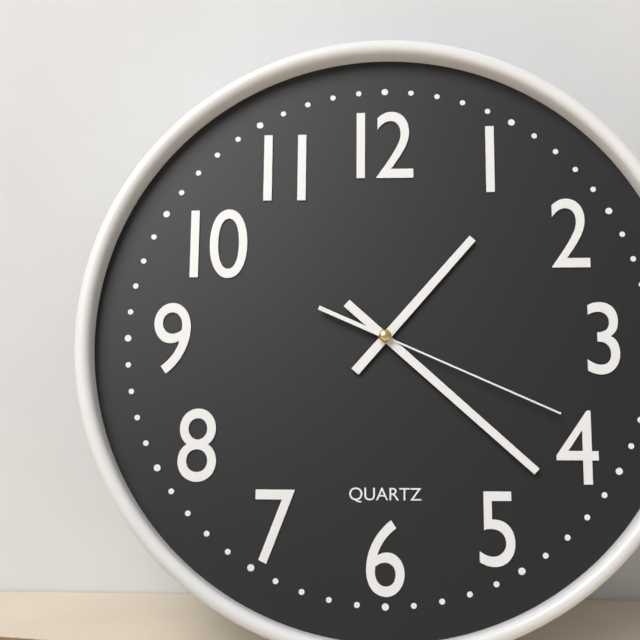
1:22:19
